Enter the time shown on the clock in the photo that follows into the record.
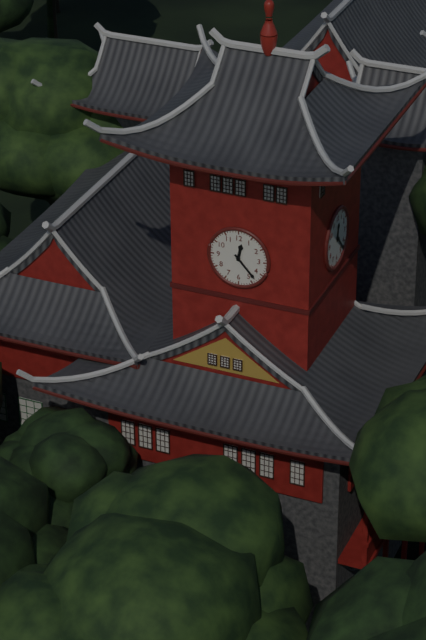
12:23
